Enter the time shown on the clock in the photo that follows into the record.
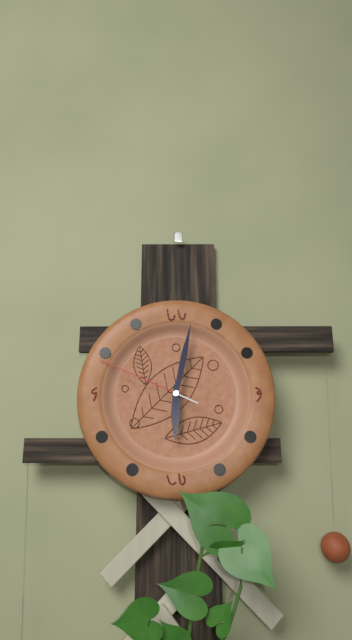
6:02:49
